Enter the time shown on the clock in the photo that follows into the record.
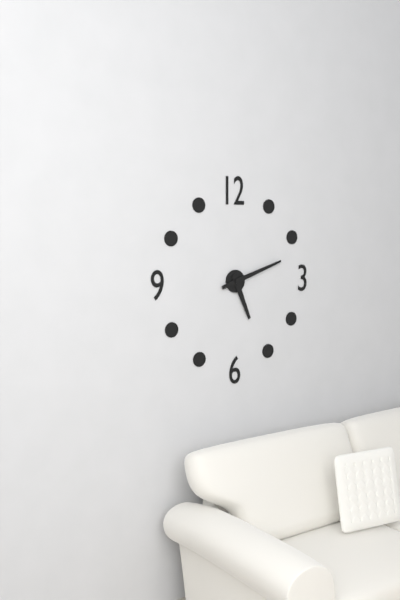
5:12
